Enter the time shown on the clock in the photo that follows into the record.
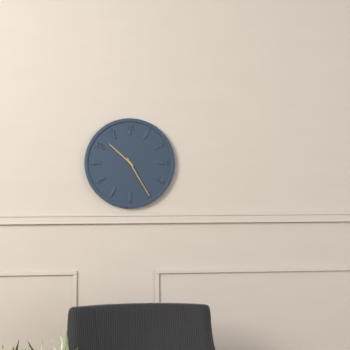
10:25
